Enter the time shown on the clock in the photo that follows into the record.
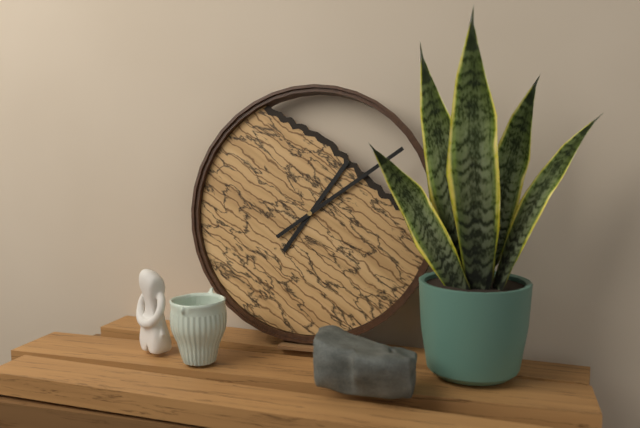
1:09
